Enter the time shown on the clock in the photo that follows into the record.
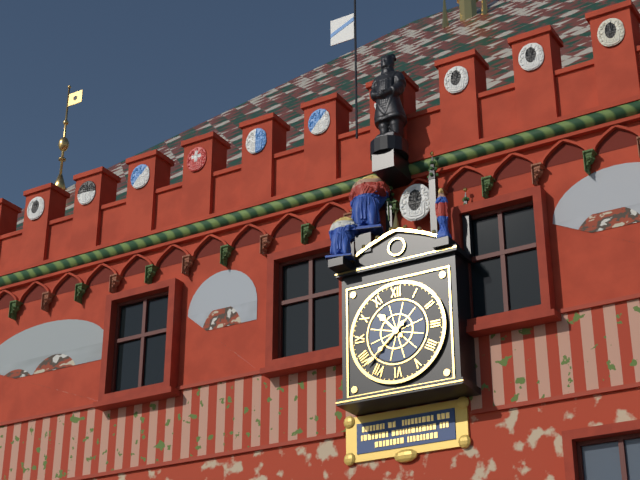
10:38
